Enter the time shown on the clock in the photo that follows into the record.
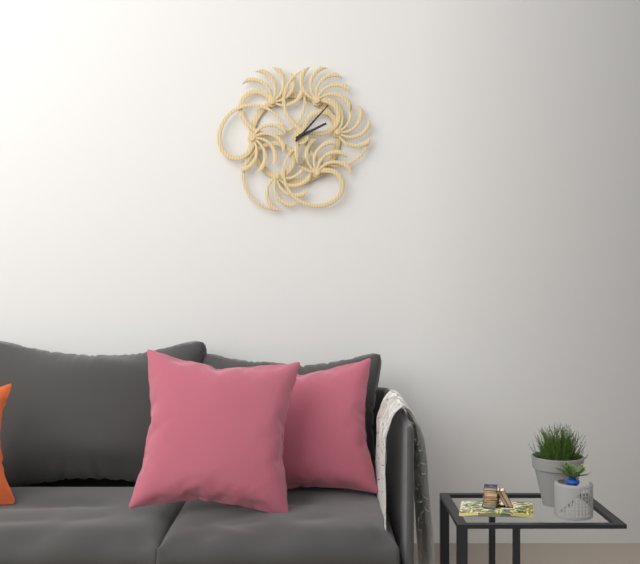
2:07
